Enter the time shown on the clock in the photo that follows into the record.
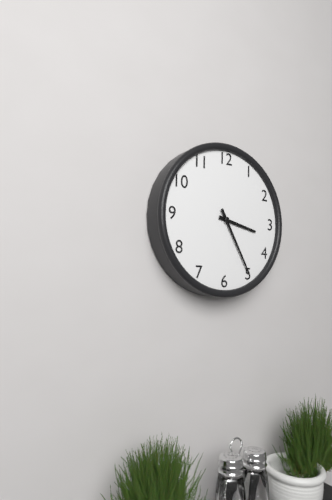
3:25
